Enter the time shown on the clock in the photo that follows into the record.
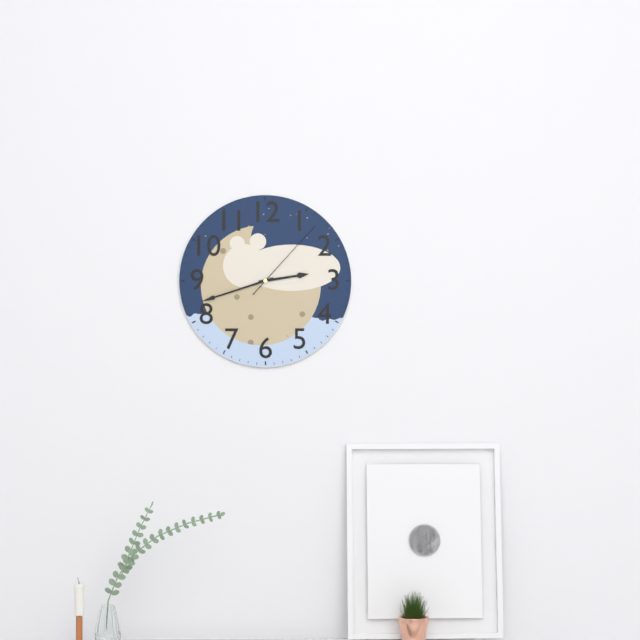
2:42:07
